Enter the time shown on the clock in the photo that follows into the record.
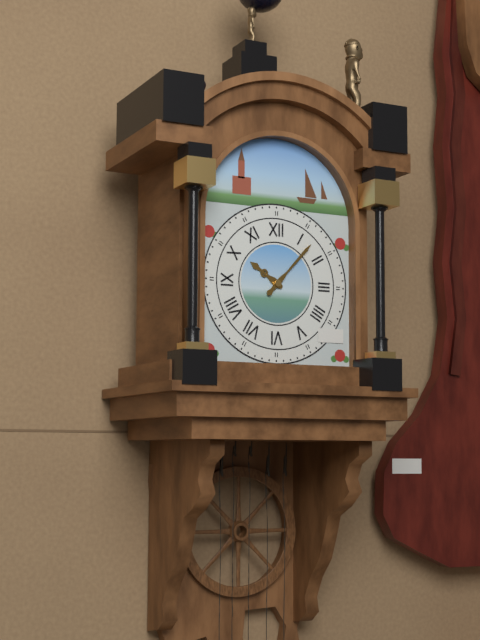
10:07
